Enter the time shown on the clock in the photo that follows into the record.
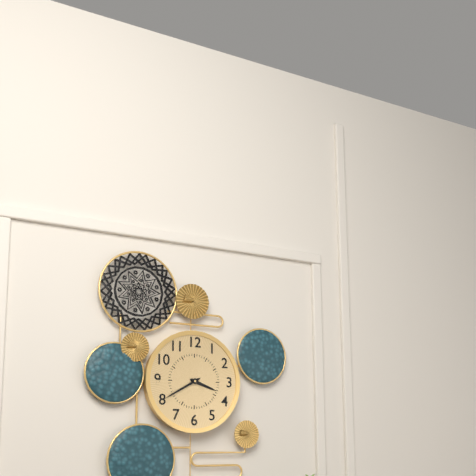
3:40
